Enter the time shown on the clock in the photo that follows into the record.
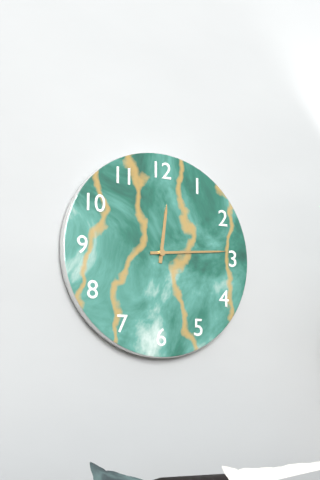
12:14
